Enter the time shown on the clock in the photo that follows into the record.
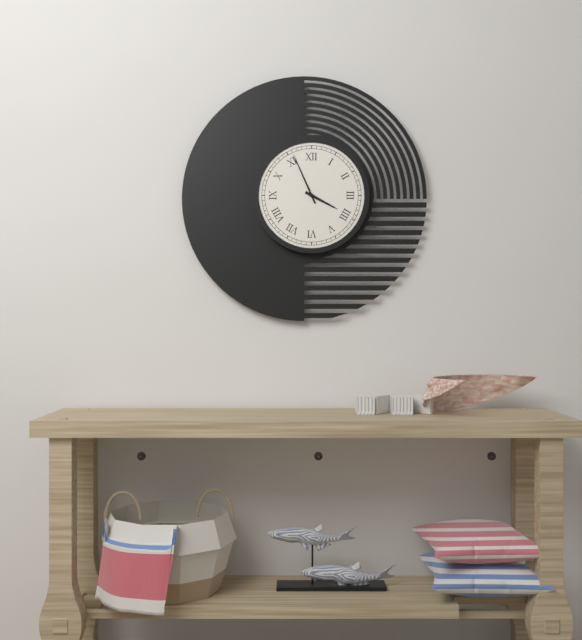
3:56
